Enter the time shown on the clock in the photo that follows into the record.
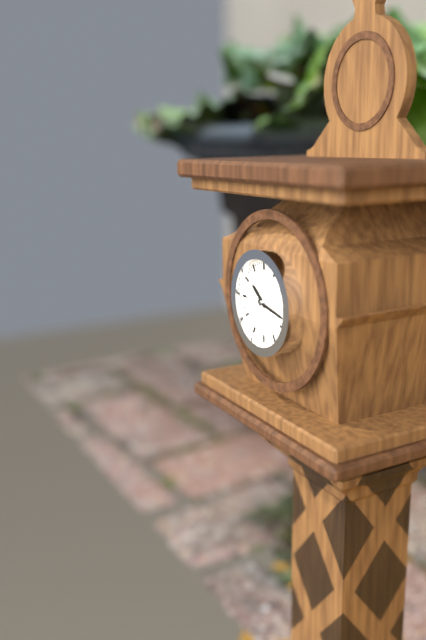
10:17
